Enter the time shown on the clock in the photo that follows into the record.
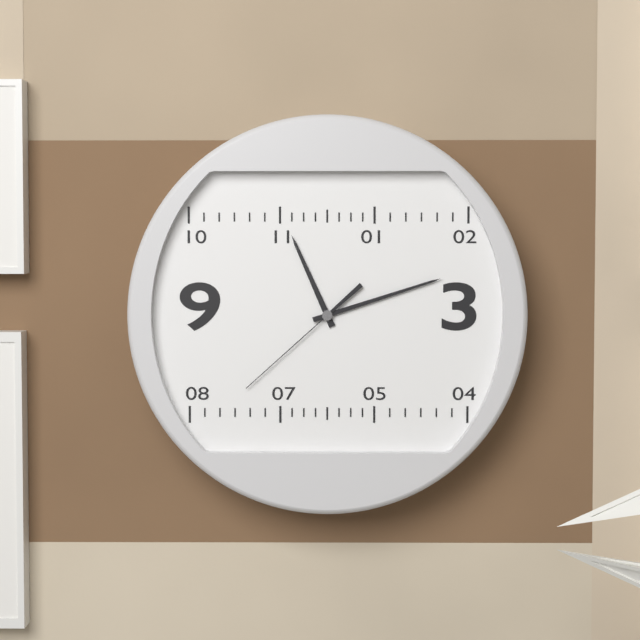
11:12:38
